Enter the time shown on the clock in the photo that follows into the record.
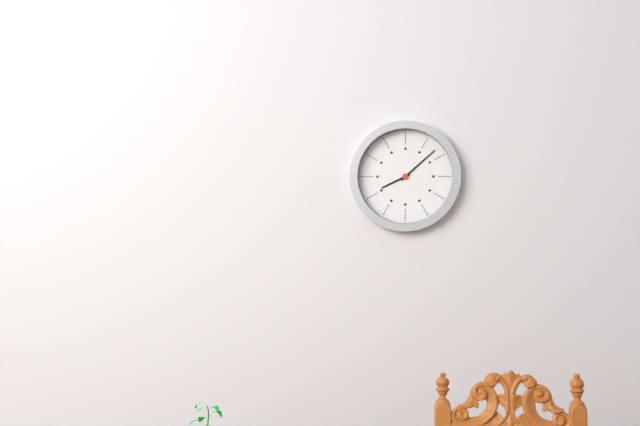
8:08
